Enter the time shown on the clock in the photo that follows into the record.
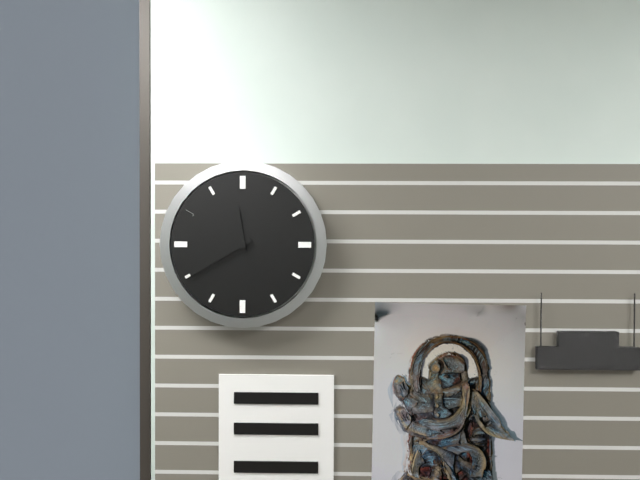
11:40
